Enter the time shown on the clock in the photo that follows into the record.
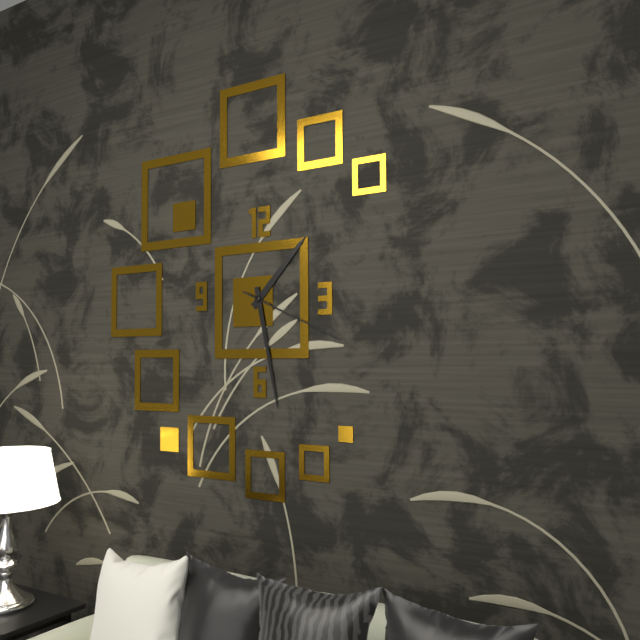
1:28:19
